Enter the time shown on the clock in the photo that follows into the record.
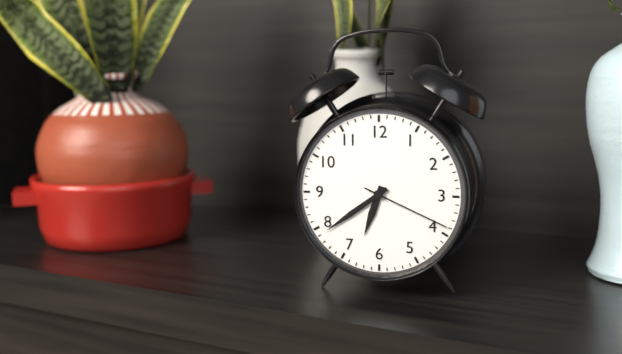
6:39:19
